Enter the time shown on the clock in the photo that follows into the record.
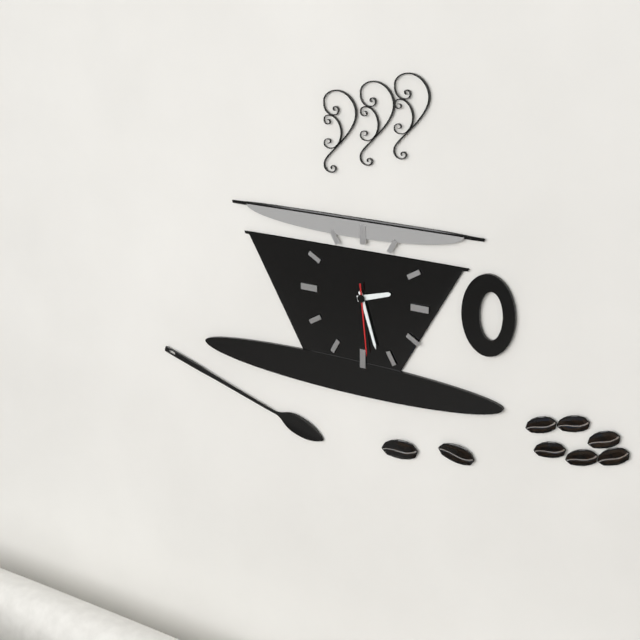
2:27:29
